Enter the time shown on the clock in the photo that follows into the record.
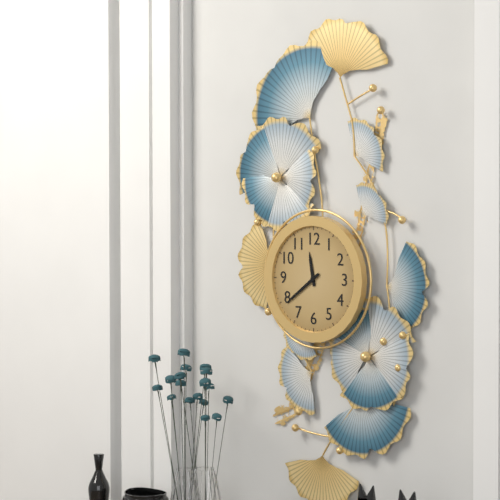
11:39
